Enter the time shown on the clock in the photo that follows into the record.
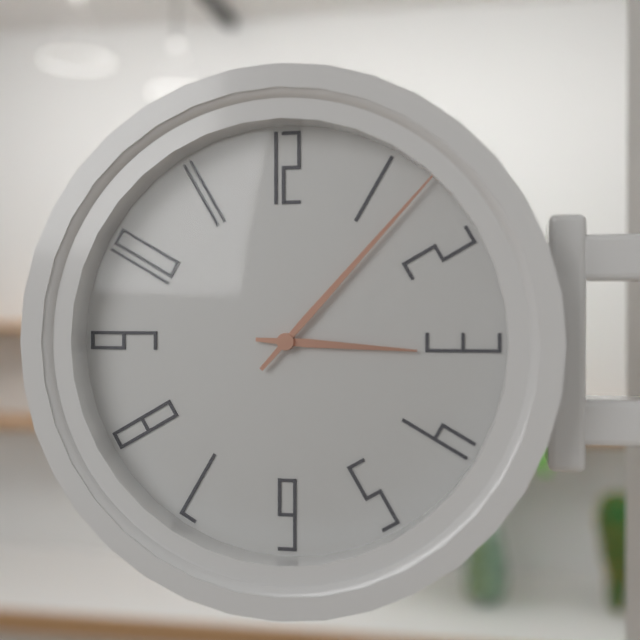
3:07
